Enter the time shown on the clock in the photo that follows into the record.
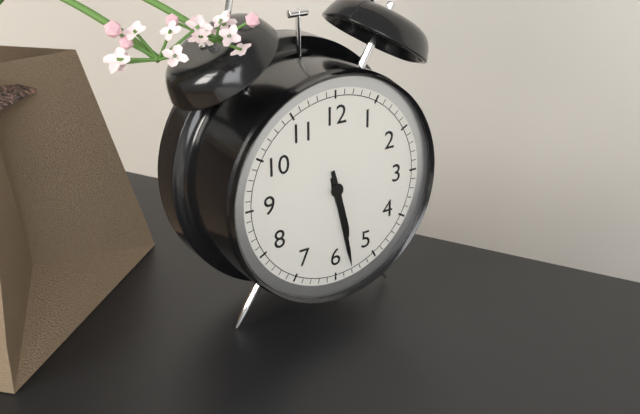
5:28
